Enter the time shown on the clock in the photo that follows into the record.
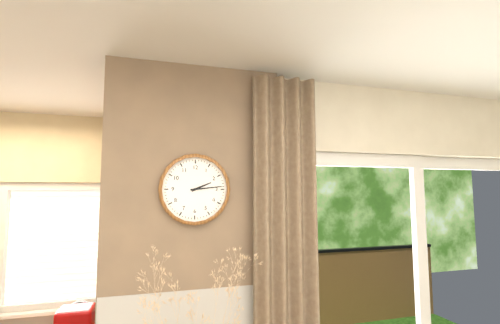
2:14
